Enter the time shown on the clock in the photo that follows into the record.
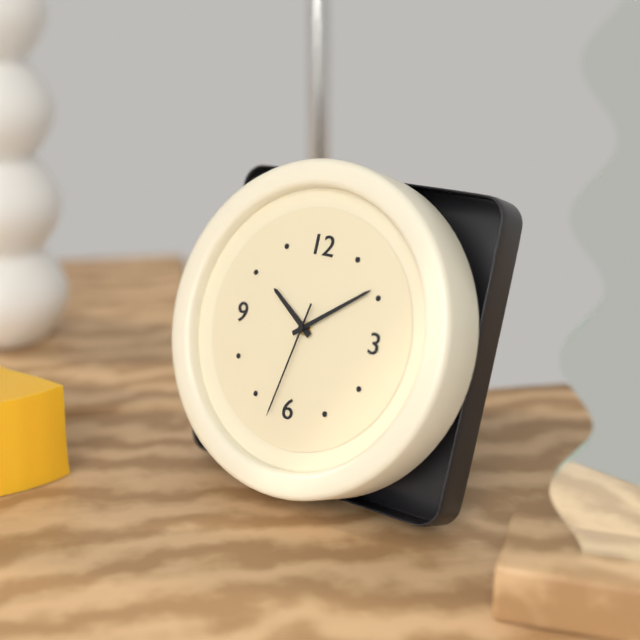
10:09:32
